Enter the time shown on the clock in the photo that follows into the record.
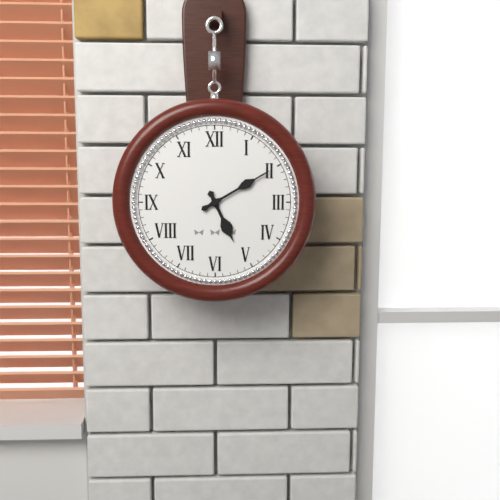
5:10
